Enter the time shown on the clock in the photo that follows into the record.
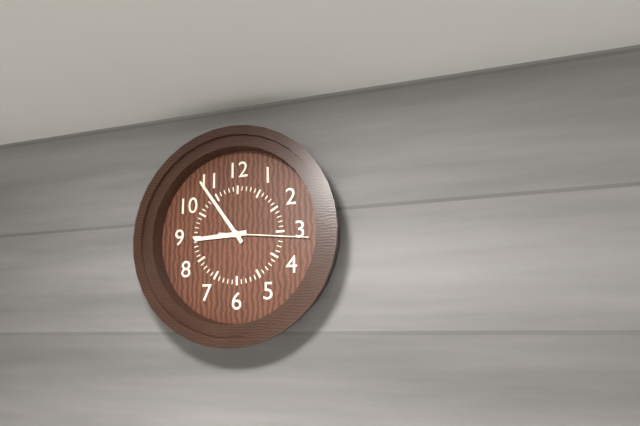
8:54:16
